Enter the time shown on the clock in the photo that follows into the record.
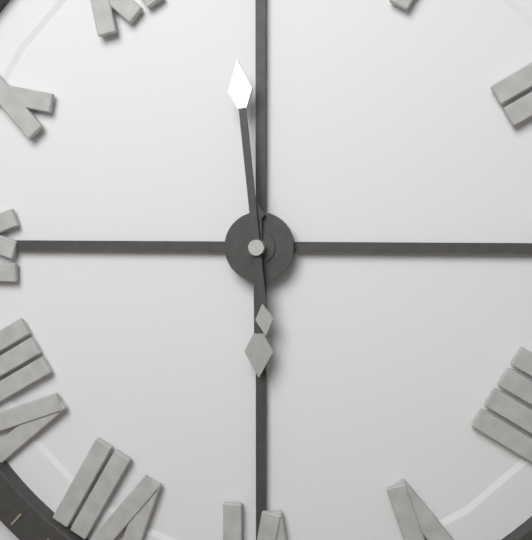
5:59
